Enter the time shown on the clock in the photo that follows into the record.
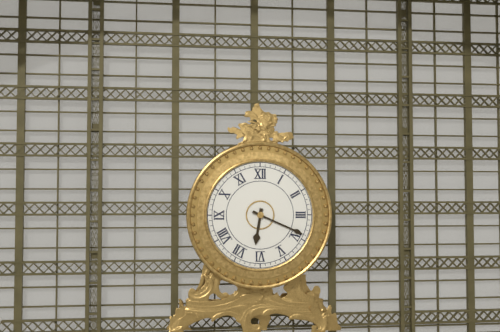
6:19
